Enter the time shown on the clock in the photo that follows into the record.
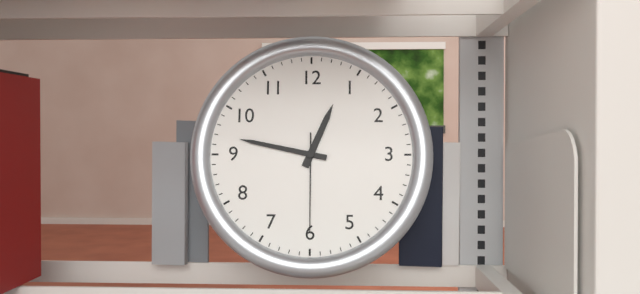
12:47:30
